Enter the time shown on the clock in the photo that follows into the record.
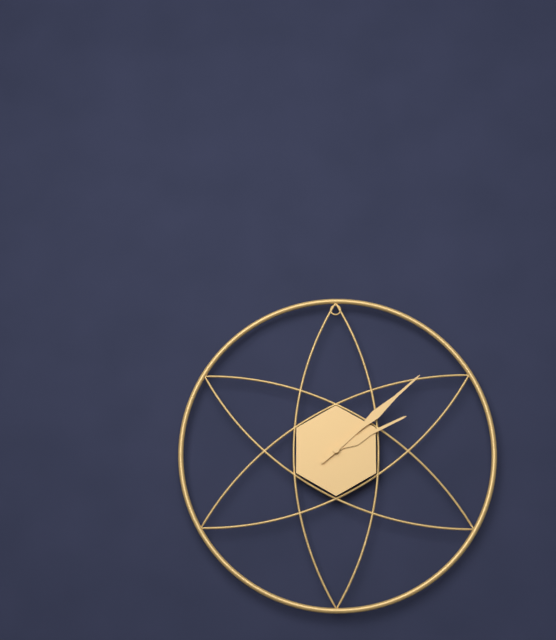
2:08
